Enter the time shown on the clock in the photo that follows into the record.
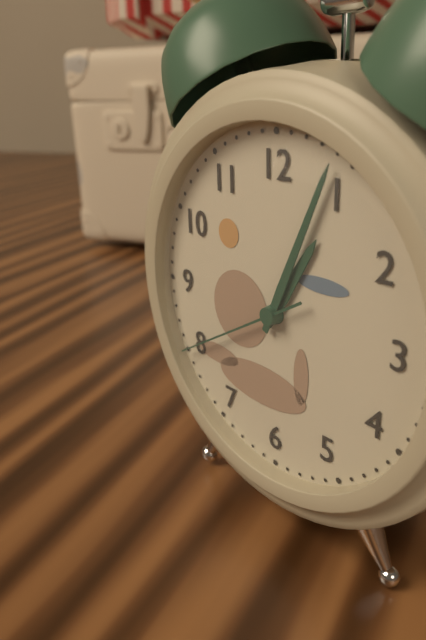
1:04:40
